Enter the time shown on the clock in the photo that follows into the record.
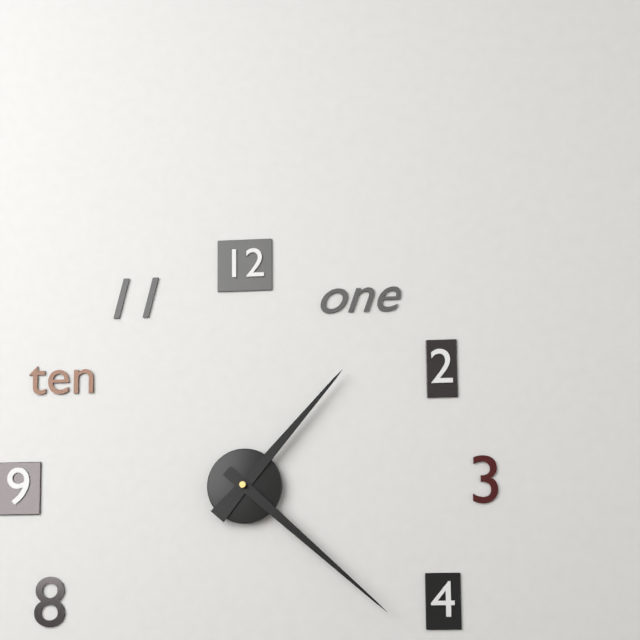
1:22
